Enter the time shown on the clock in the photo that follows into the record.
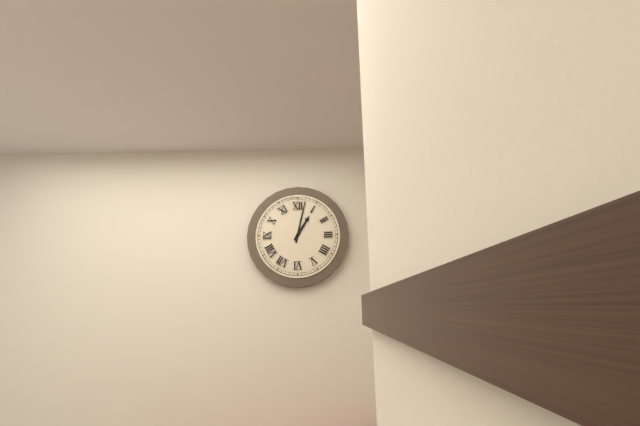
1:02
